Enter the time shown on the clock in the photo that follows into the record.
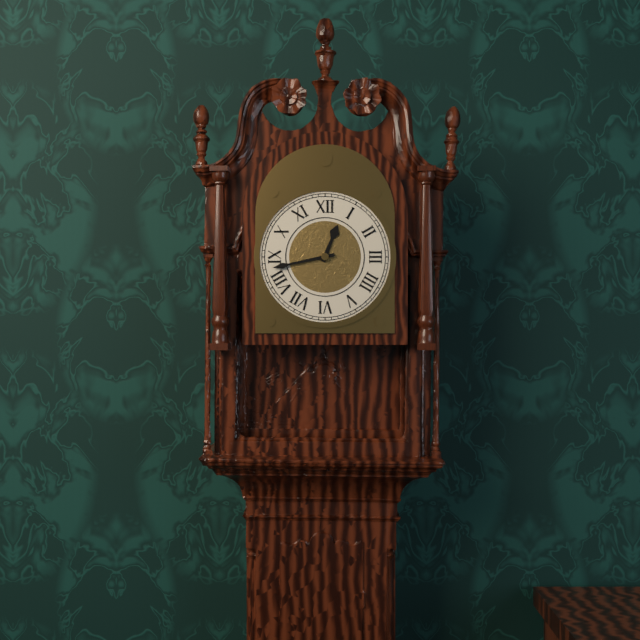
12:43
